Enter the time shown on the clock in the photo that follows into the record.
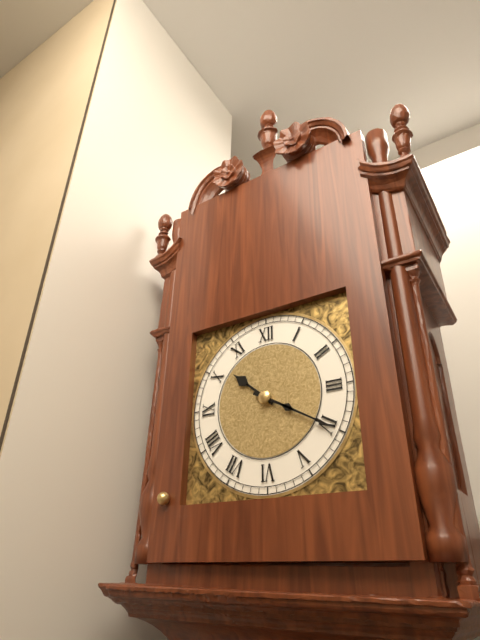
10:20
